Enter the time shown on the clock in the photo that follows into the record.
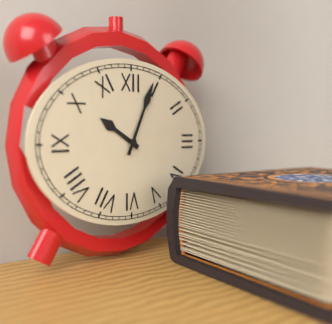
10:04
